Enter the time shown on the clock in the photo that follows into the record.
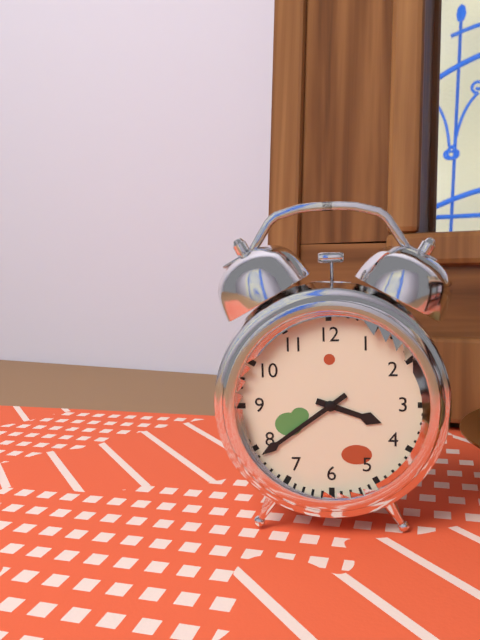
3:39
